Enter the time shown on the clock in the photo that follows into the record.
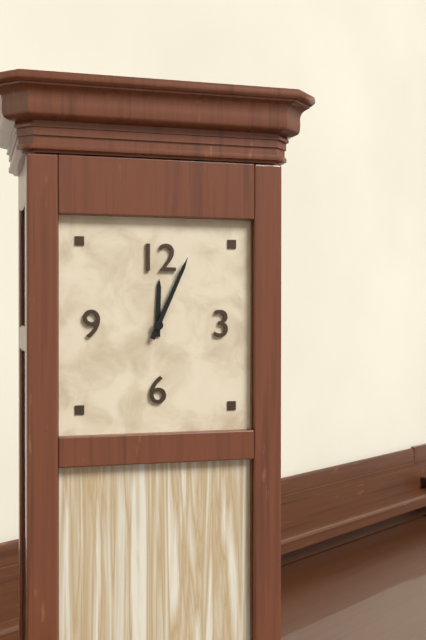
12:04
